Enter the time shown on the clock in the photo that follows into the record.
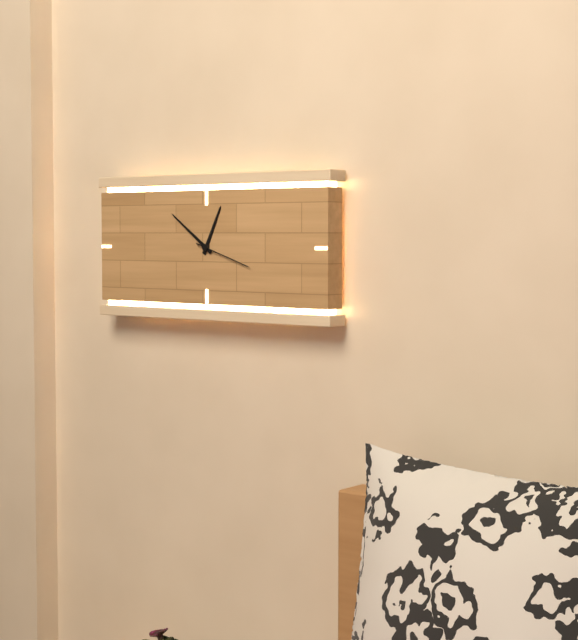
12:51:18
